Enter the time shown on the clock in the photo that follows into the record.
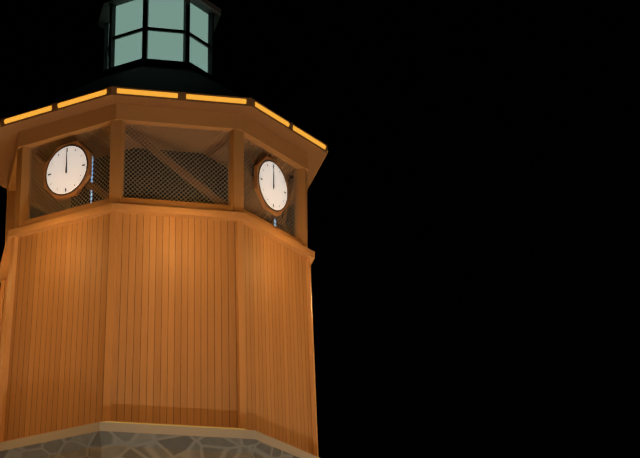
12:00
